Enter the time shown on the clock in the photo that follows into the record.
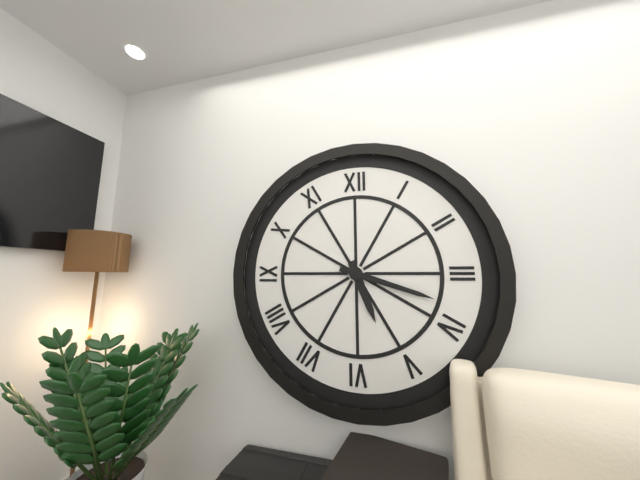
5:18
